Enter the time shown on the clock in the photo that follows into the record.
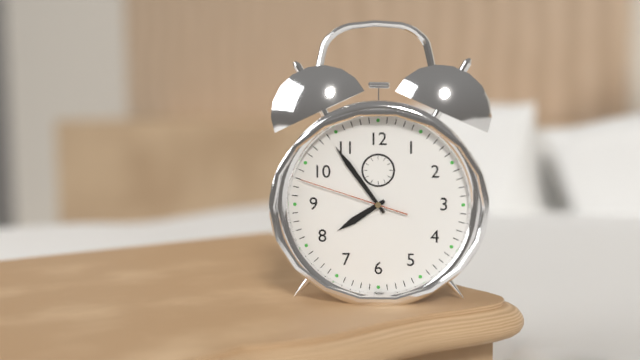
7:54:48
